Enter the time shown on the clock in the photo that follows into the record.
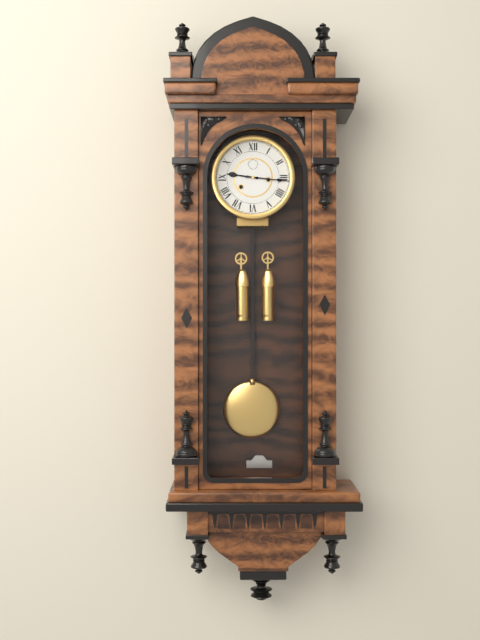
9:16
